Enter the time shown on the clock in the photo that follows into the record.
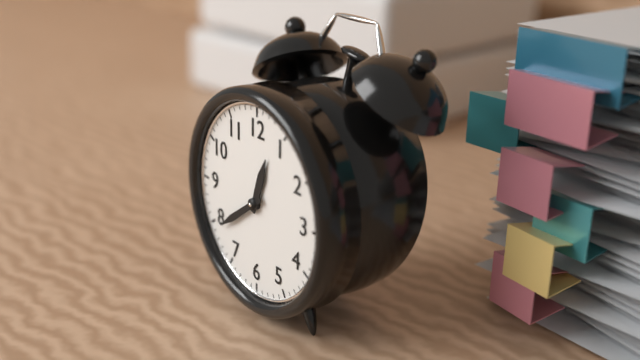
12:39
